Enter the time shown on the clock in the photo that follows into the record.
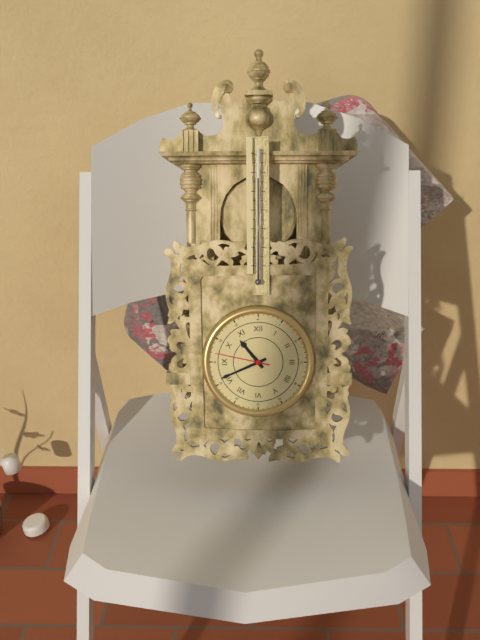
10:41:47
